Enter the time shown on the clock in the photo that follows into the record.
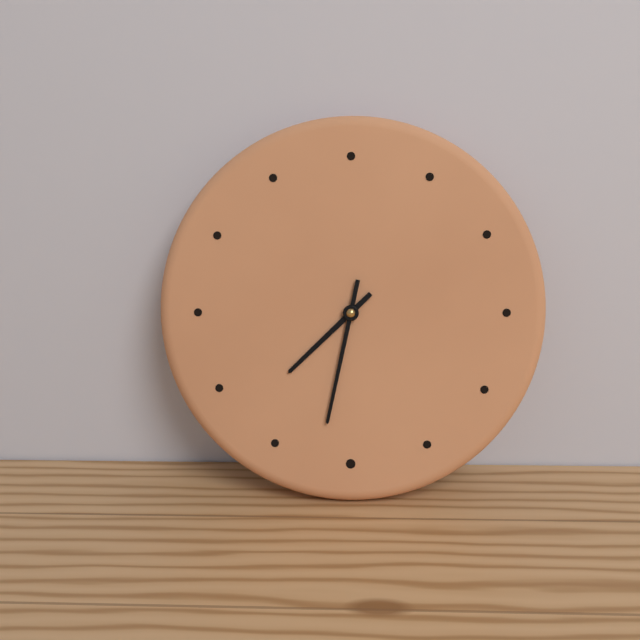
7:32
